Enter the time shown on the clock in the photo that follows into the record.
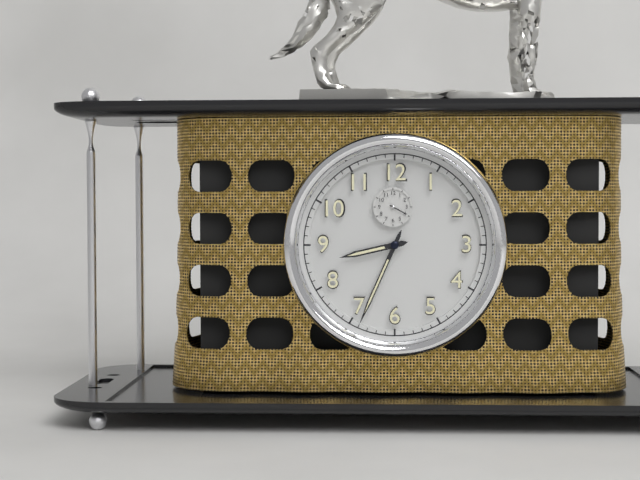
8:34
